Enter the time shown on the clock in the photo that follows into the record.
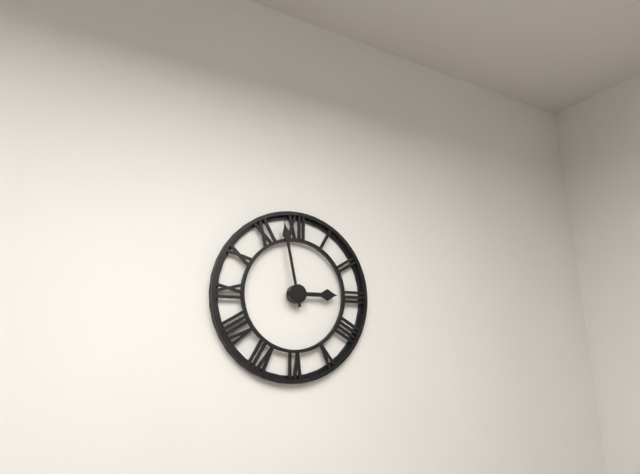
2:58
